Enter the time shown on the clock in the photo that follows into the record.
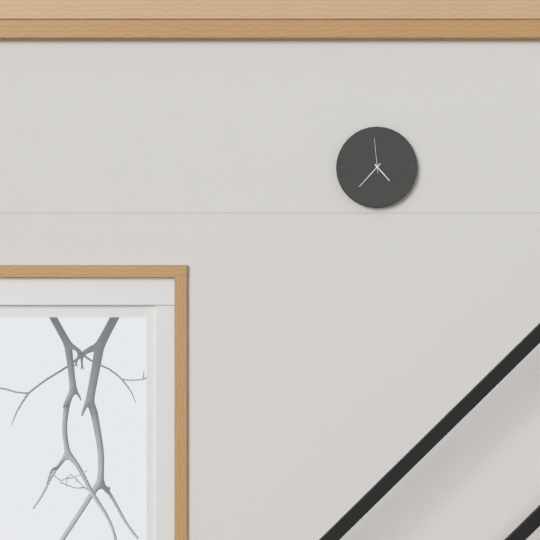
4:37
